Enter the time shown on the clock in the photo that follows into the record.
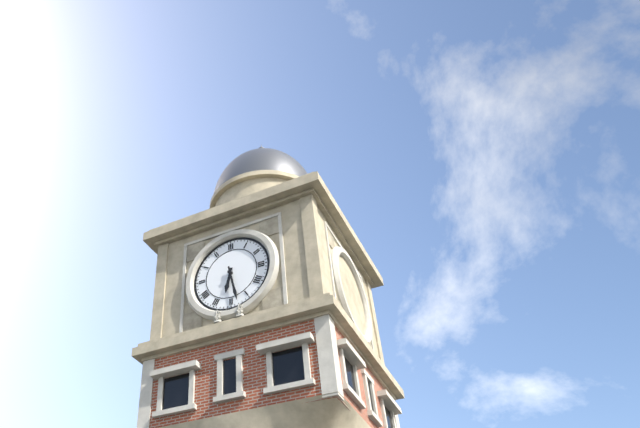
6:28
